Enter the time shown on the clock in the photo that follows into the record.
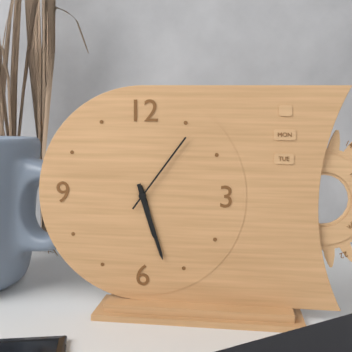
5:27:06
